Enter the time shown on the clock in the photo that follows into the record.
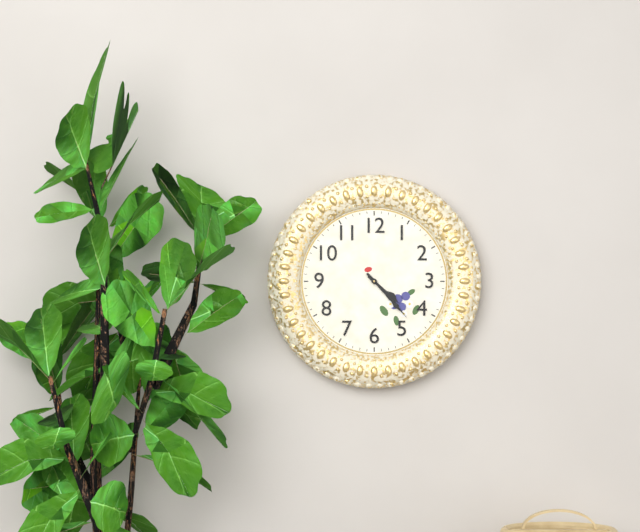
4:23
